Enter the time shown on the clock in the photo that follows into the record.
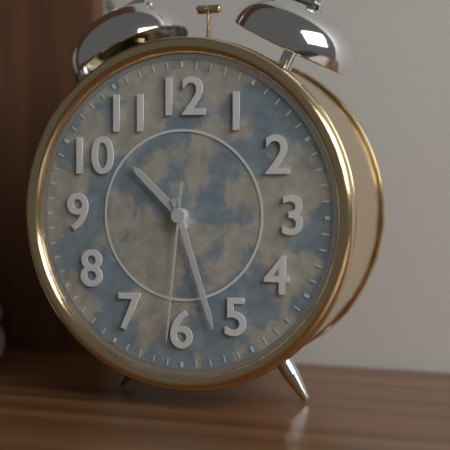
10:27:31
